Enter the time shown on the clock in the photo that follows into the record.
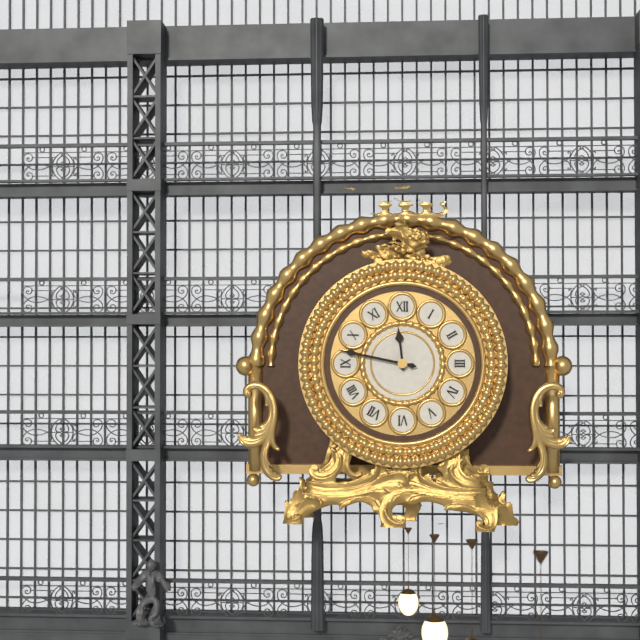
11:47
